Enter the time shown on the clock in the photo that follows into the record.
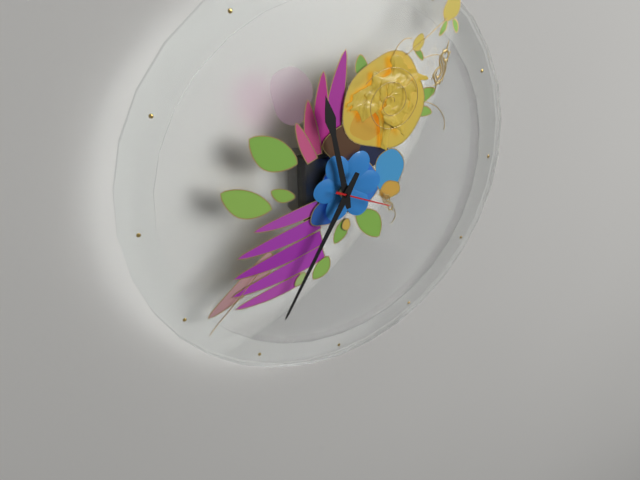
11:35:19
